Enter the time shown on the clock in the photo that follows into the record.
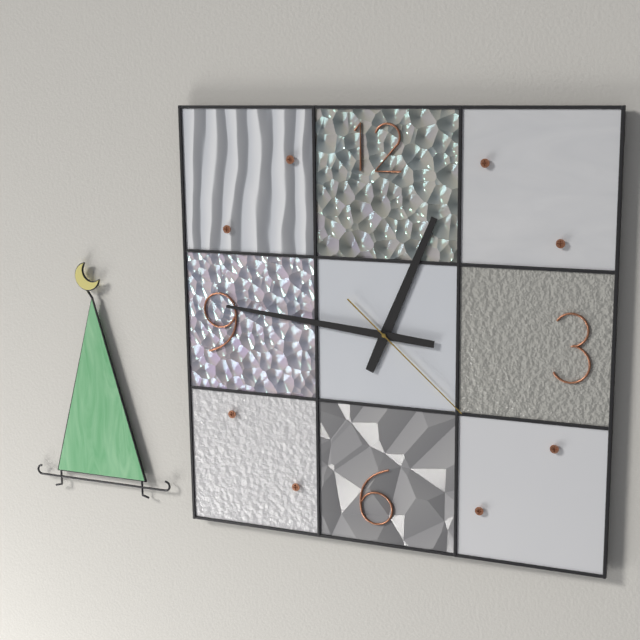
12:46:22
